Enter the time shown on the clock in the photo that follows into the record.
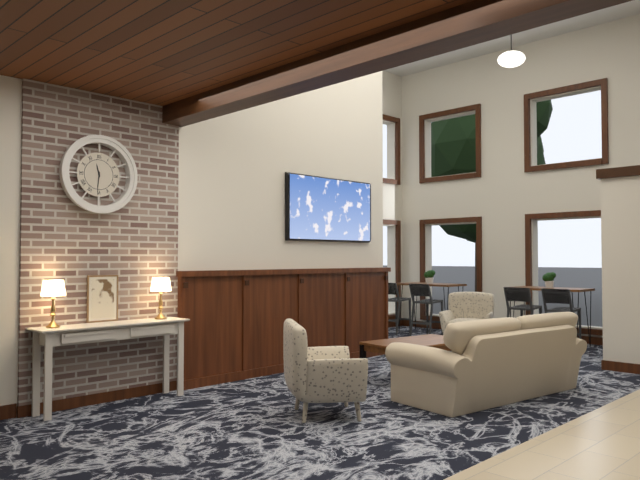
11:31
